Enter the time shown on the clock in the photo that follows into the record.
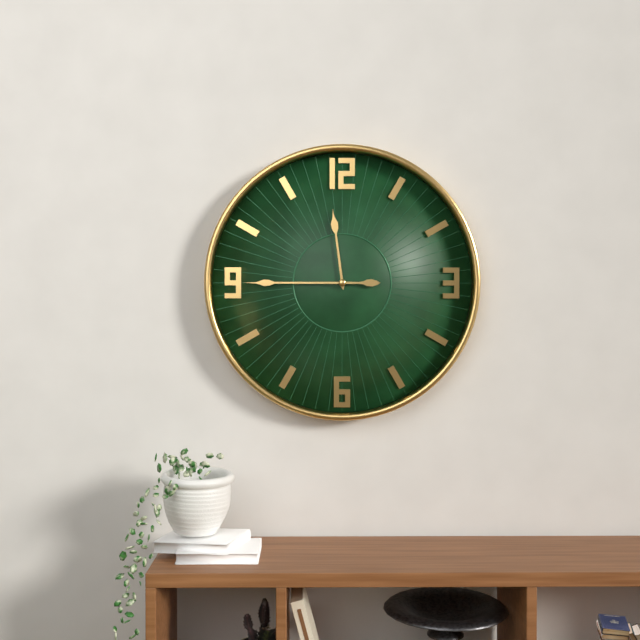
11:45
